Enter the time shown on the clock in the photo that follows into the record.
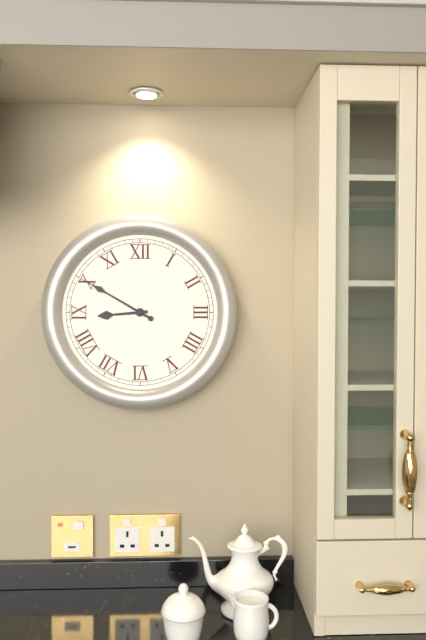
8:50
